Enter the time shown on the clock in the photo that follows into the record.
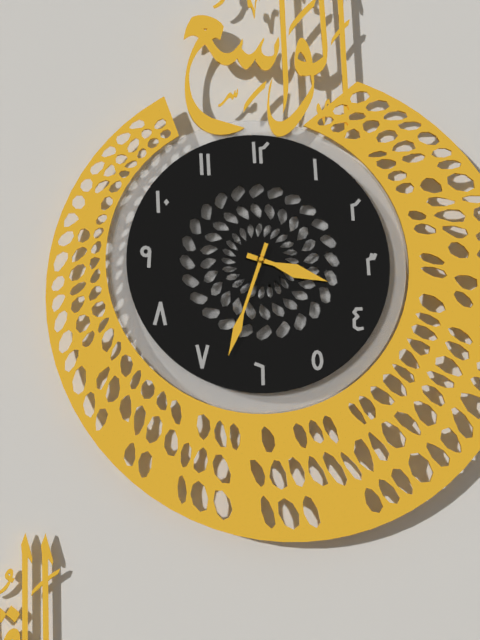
3:33
